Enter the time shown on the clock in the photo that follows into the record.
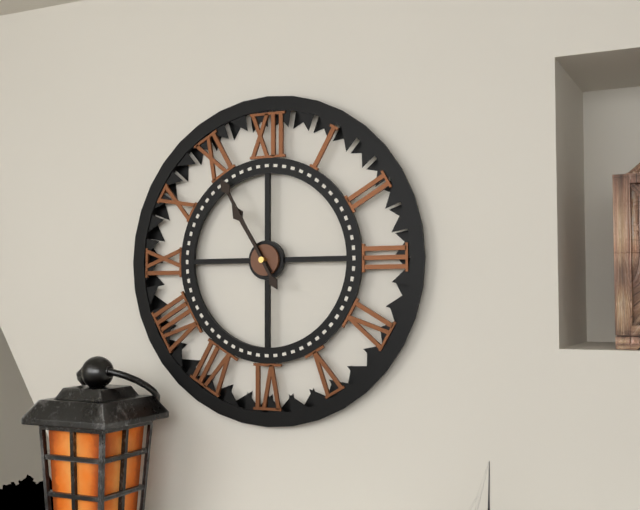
10:55
